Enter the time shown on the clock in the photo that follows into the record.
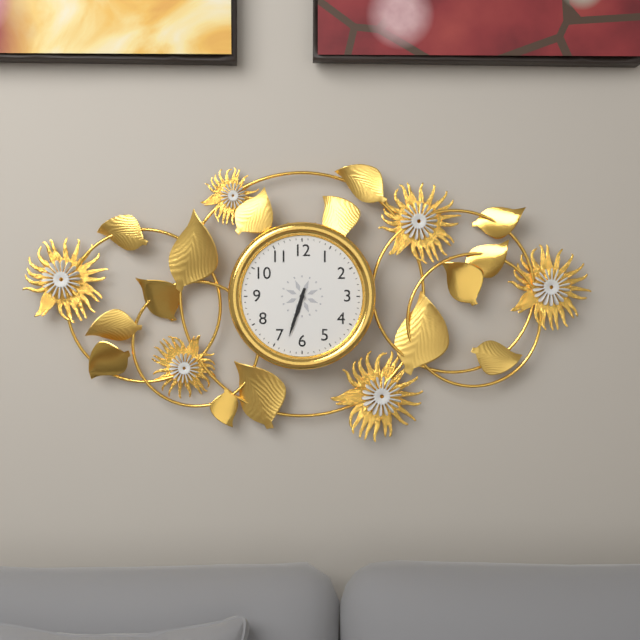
6:33
